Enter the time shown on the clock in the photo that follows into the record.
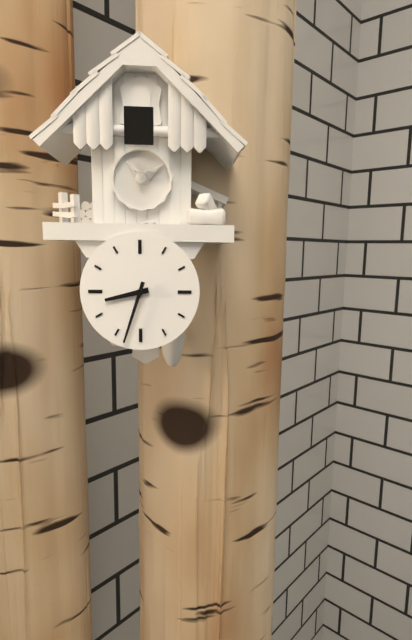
8:33
